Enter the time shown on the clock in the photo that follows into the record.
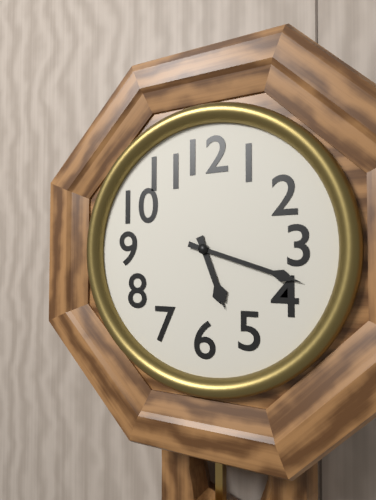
5:18
